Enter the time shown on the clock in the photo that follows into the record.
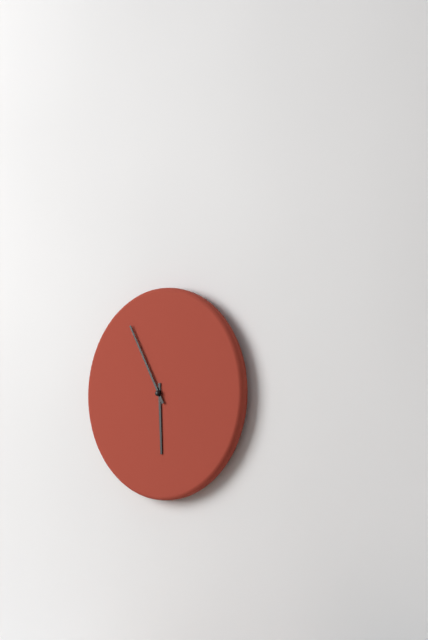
5:55
